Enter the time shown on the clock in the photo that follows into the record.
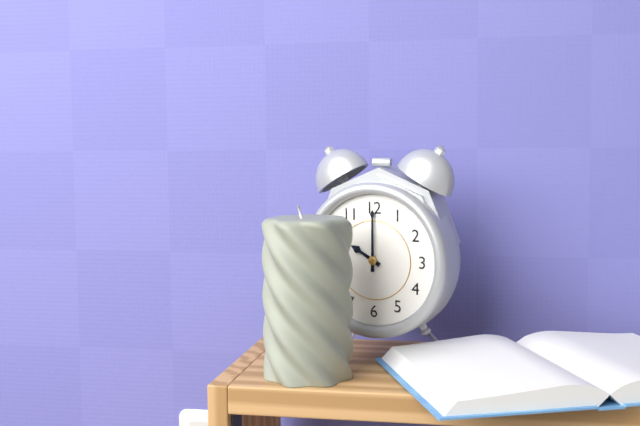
10:00
